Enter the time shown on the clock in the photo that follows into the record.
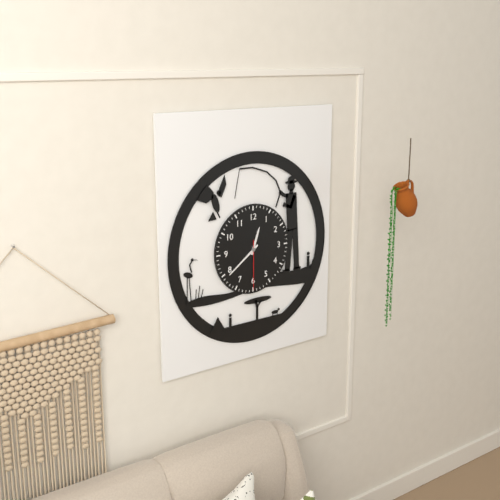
12:39:30
